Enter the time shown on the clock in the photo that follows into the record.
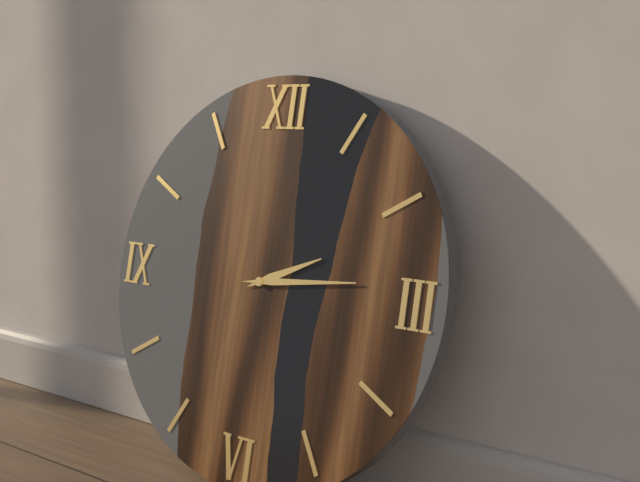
2:14
